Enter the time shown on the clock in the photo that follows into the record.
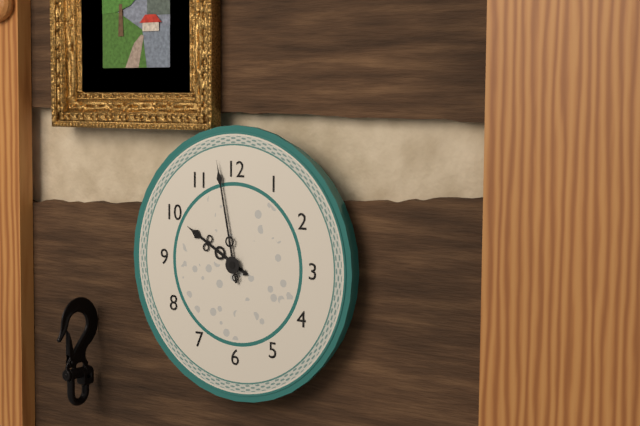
9:58
